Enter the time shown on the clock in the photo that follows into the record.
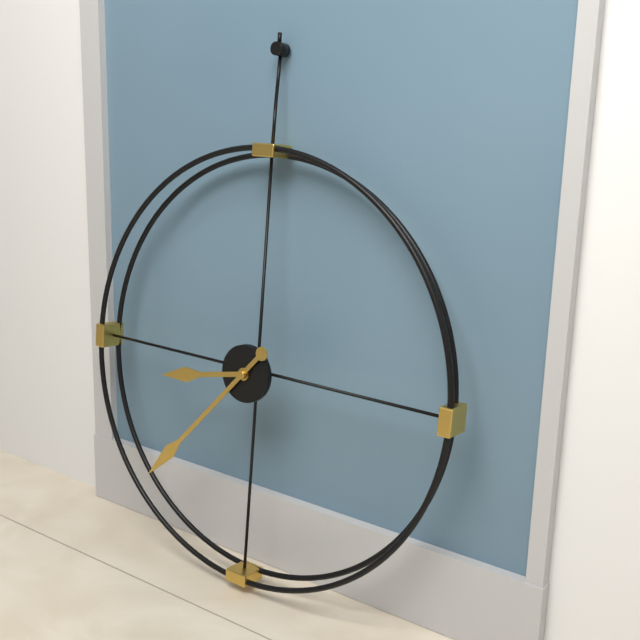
8:37
